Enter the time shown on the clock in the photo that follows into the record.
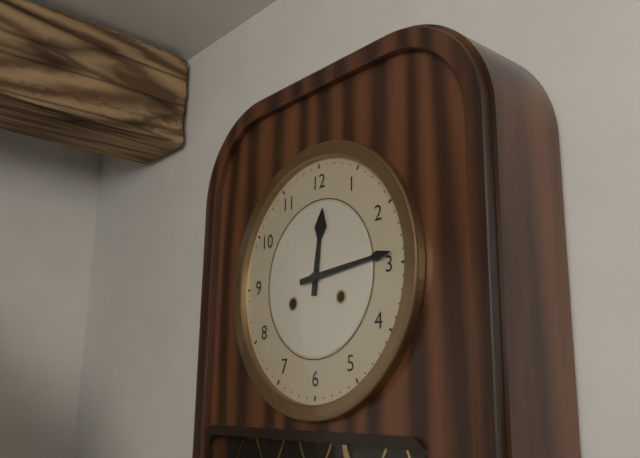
12:14
